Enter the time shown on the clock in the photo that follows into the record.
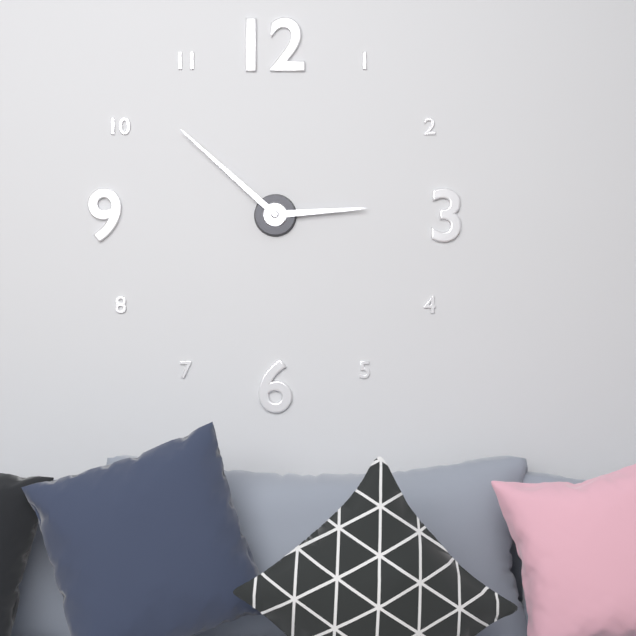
2:52
